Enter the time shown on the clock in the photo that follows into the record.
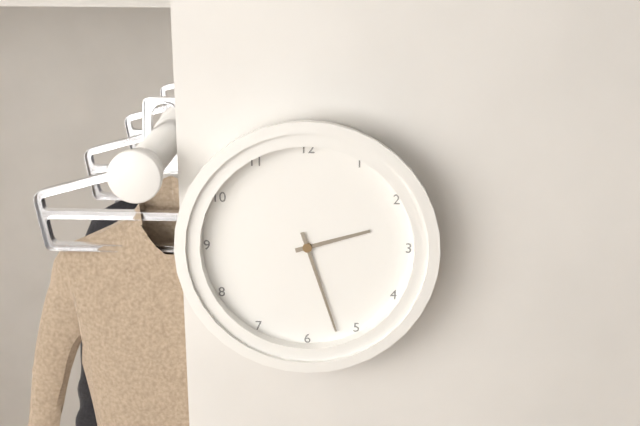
2:27
